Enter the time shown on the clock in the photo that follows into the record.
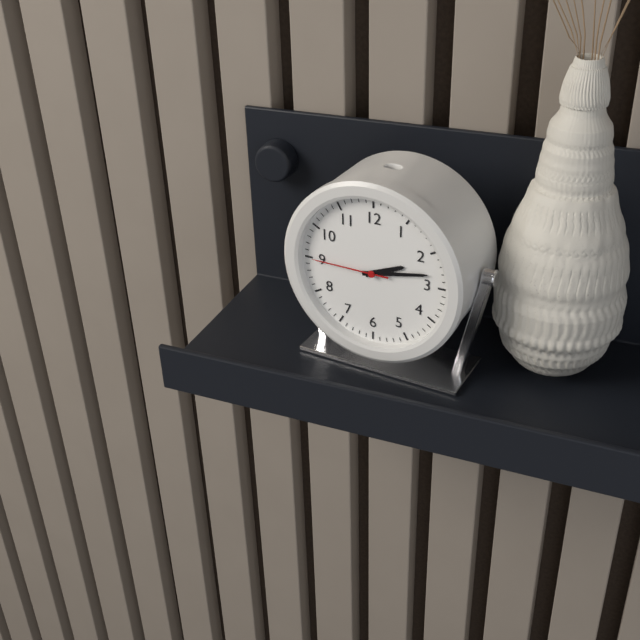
2:13:45
